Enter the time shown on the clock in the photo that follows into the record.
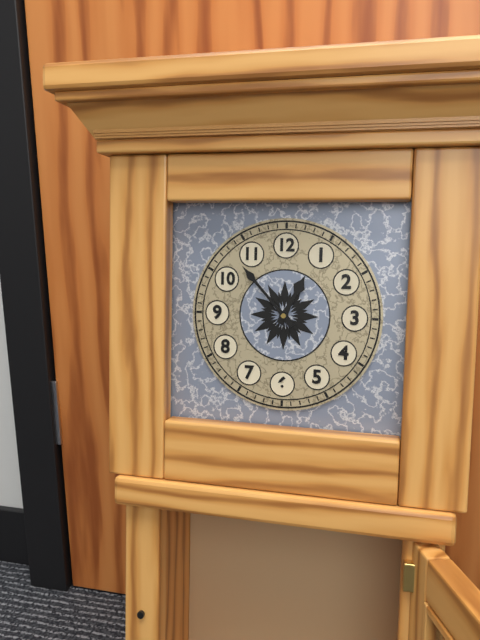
12:53
